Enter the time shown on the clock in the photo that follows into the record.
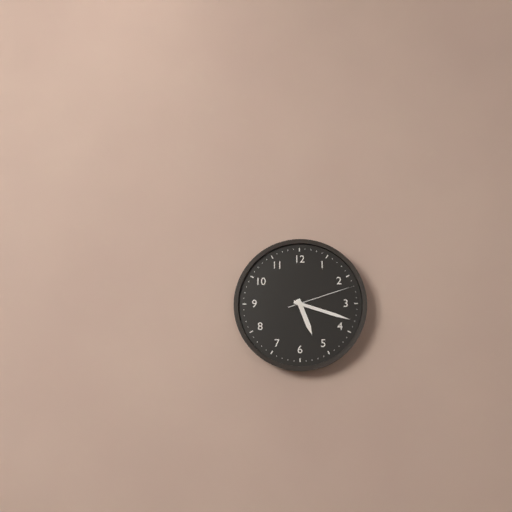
5:18:12
